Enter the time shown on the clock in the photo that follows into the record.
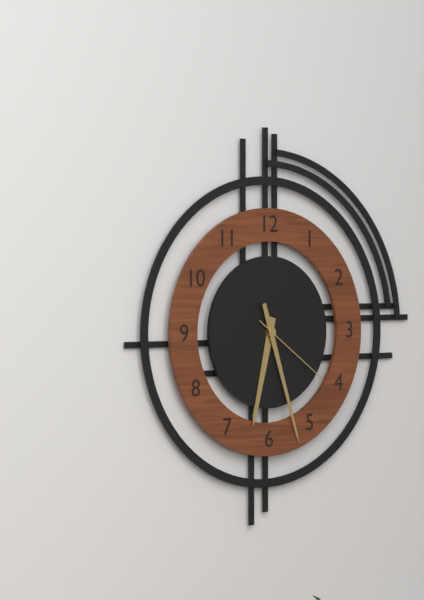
6:27:21
